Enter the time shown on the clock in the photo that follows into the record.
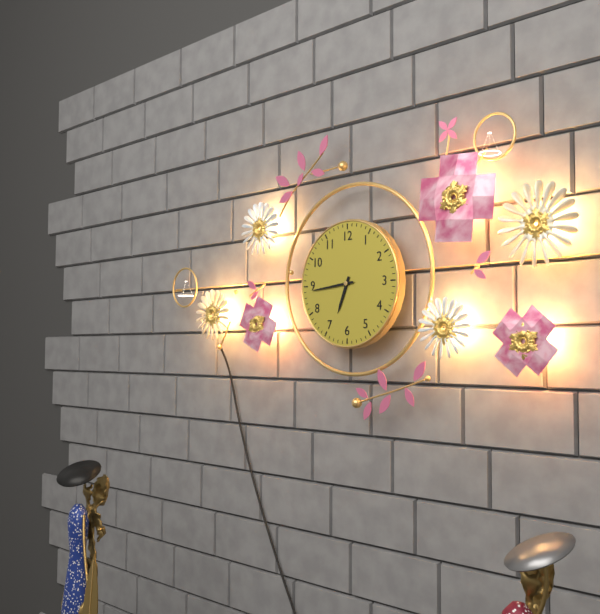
6:44
